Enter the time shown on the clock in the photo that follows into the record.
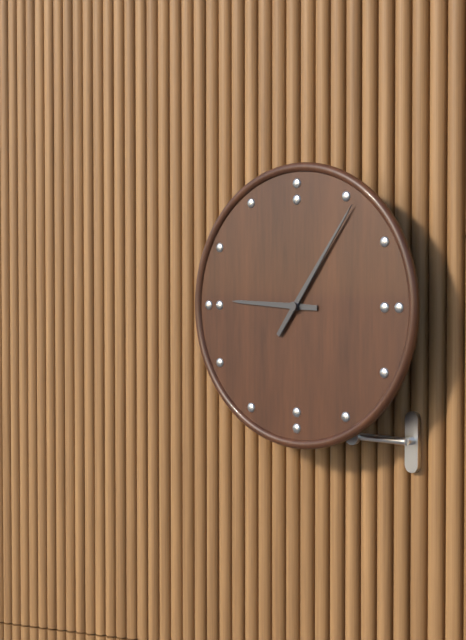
9:06
